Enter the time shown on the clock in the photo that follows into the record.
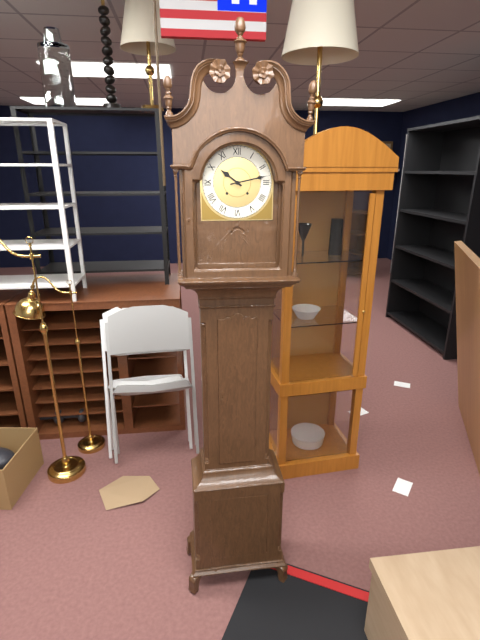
10:13
